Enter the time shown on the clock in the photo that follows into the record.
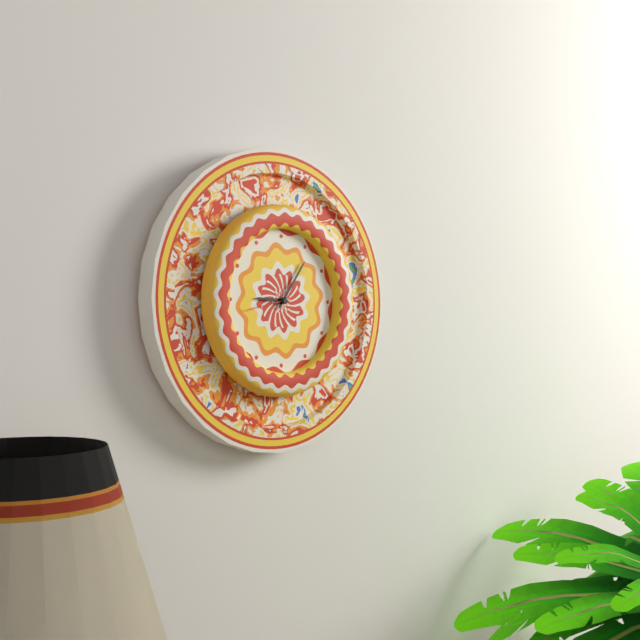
9:06
